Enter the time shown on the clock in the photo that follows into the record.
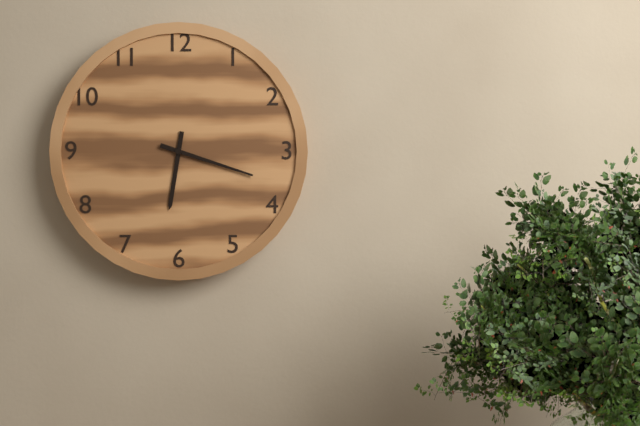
6:18
